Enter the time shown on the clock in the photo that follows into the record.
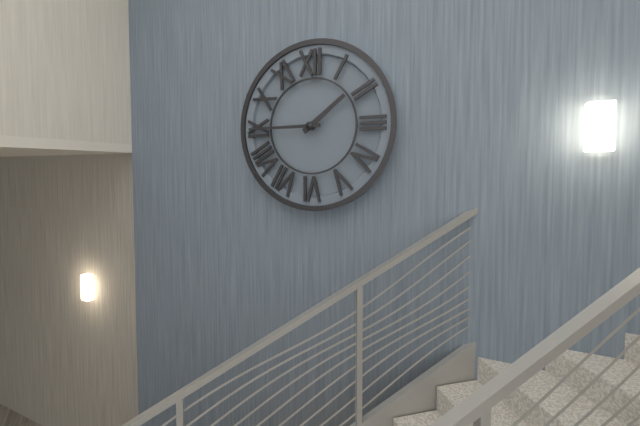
1:45
